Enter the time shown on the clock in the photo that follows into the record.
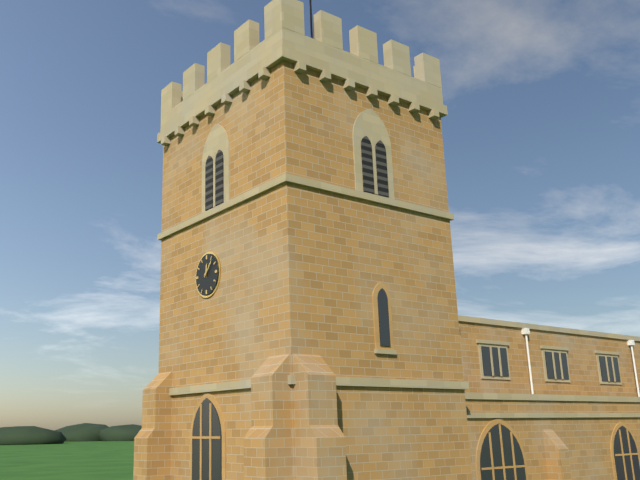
12:07
